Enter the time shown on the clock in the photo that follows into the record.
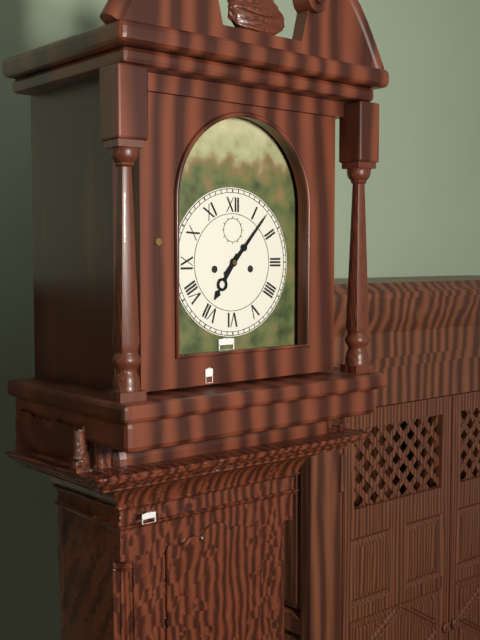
7:07
